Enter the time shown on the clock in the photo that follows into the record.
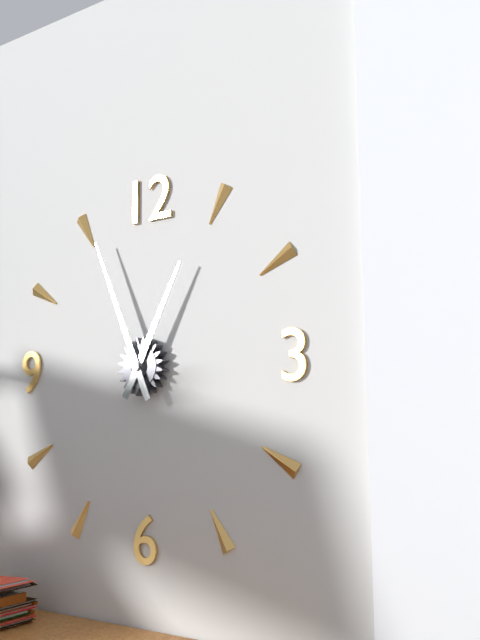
12:56
